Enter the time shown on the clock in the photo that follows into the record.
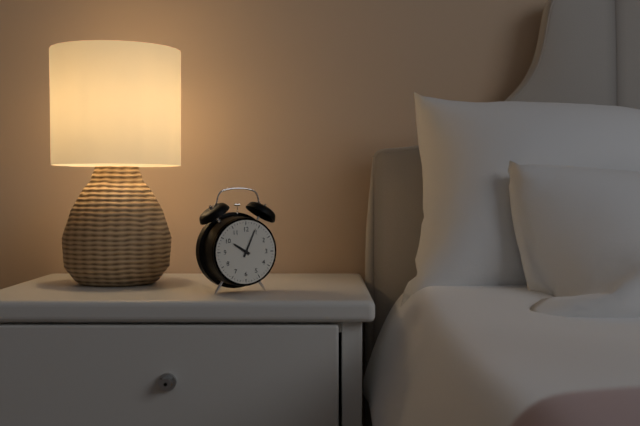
10:04
